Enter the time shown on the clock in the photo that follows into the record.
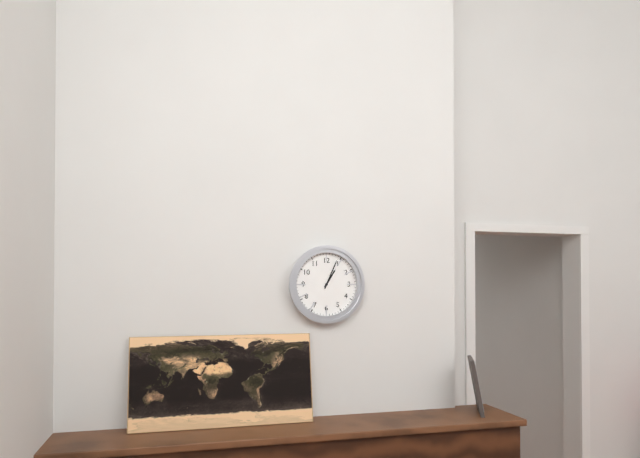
1:04
